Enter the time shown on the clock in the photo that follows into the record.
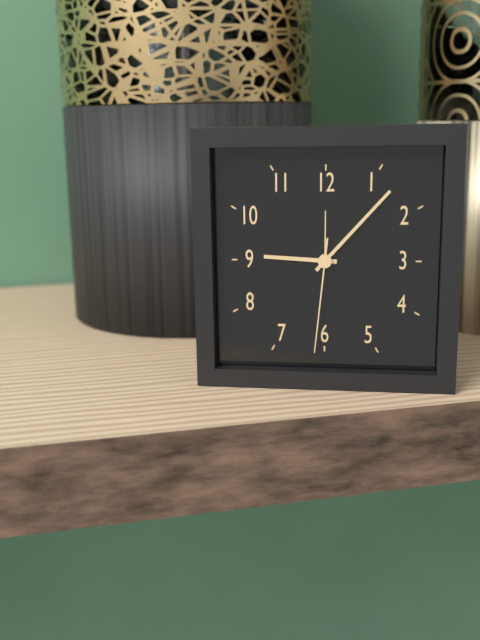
9:07:31
